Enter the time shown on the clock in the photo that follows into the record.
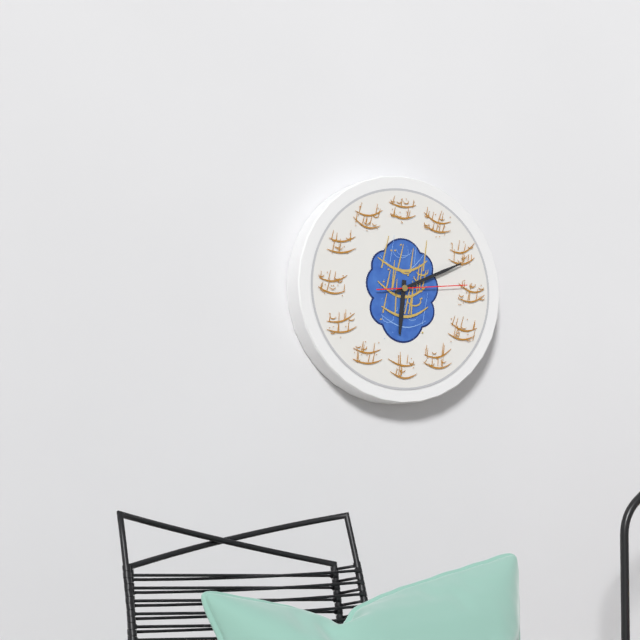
6:11:14
